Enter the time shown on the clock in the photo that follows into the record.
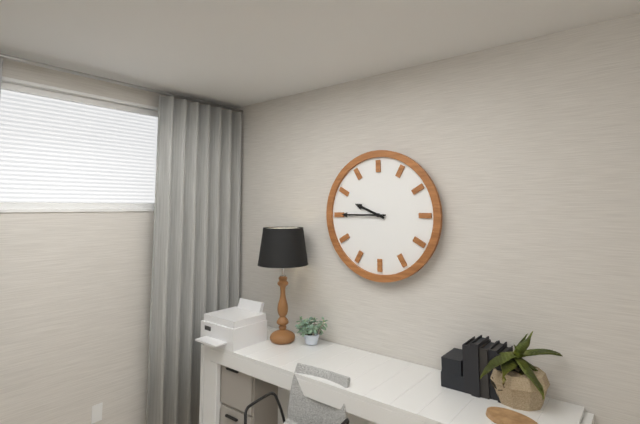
9:45
